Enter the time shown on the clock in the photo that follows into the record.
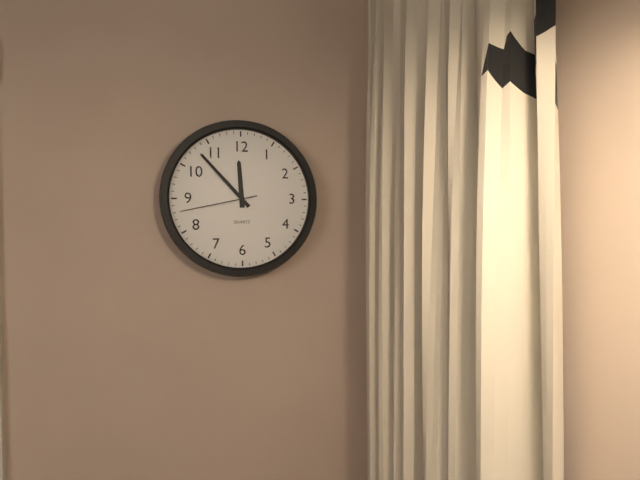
11:53:43
